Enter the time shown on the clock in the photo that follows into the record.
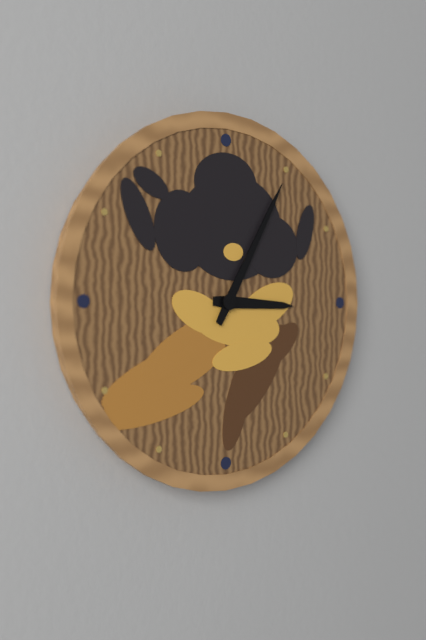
3:05
